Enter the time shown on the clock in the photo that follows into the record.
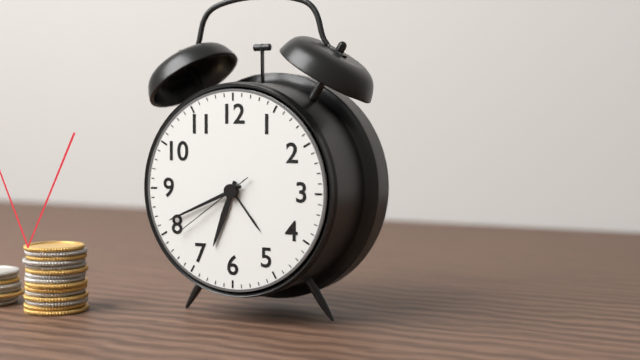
6:41:39
